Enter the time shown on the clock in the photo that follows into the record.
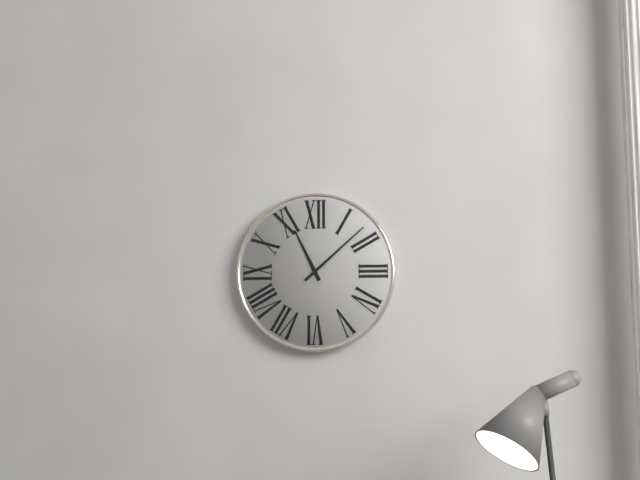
11:08
